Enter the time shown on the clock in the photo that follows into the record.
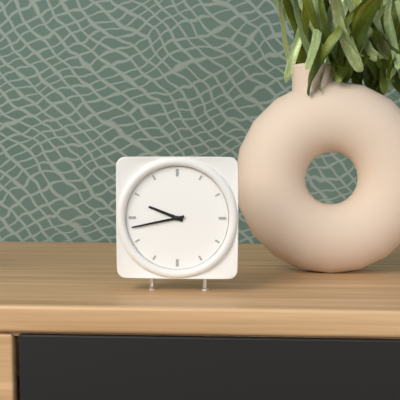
9:43
